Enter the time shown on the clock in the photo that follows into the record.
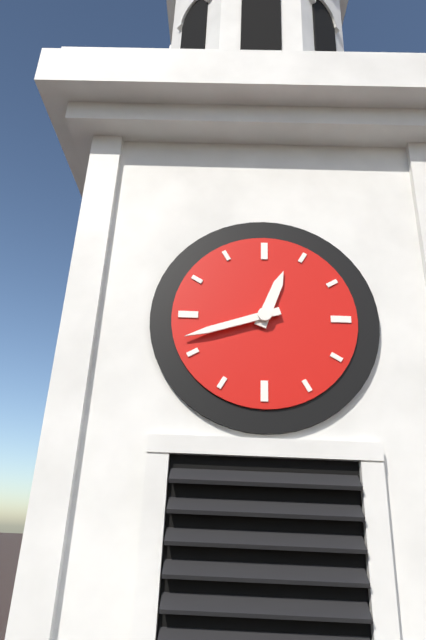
12:42
